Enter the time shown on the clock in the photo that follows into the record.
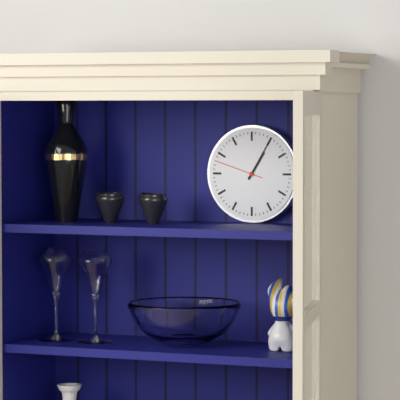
1:05
